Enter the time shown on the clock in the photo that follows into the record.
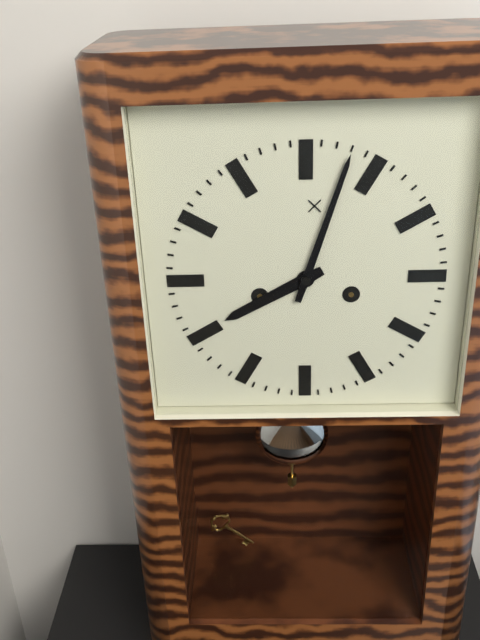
8:03
